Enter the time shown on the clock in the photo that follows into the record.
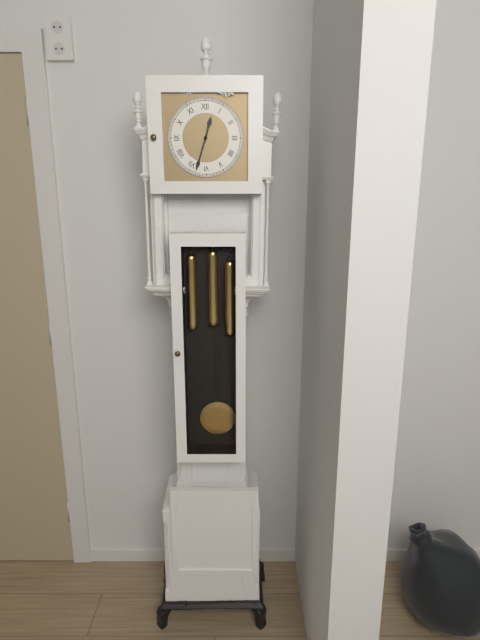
12:33
